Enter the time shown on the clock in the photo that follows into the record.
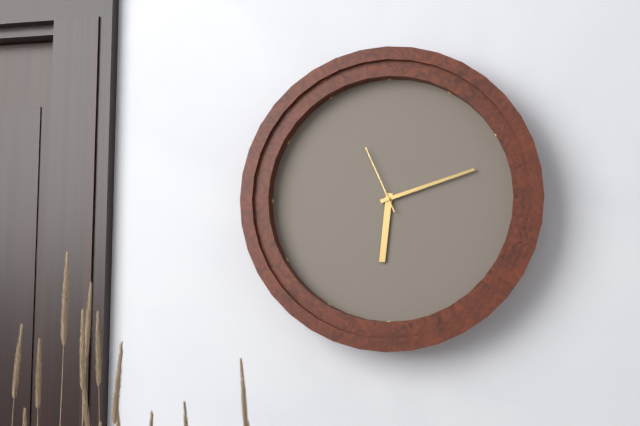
6:12:56
